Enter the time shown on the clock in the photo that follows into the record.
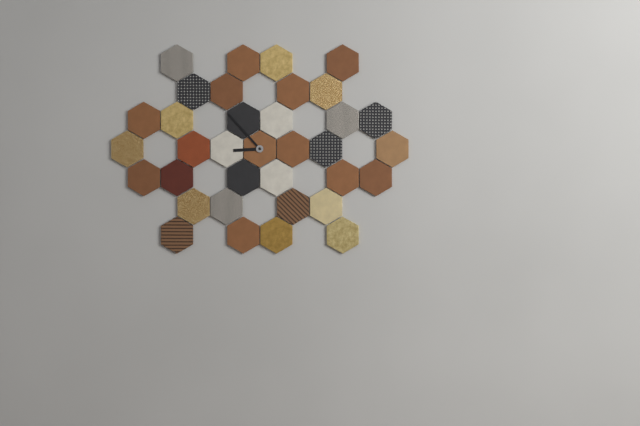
8:53
